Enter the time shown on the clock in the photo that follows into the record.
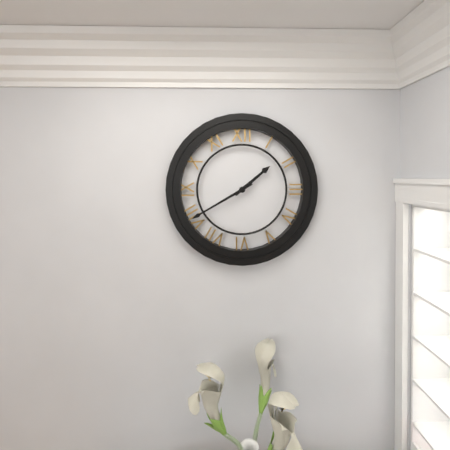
1:40
